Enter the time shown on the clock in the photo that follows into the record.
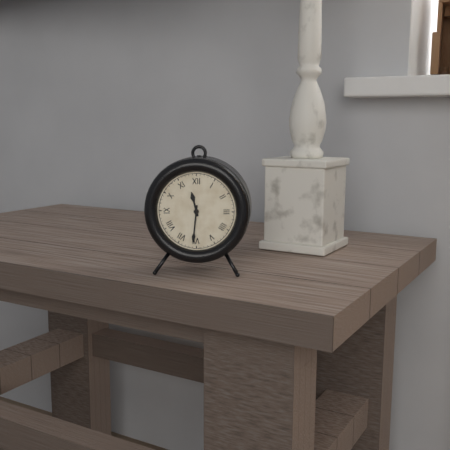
11:31
